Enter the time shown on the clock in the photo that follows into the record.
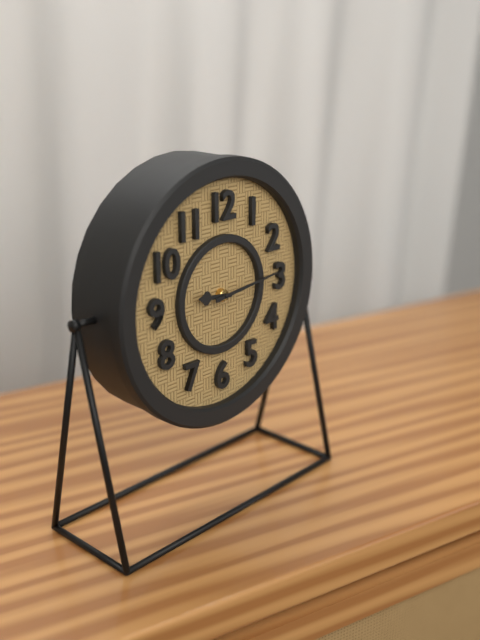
9:14
